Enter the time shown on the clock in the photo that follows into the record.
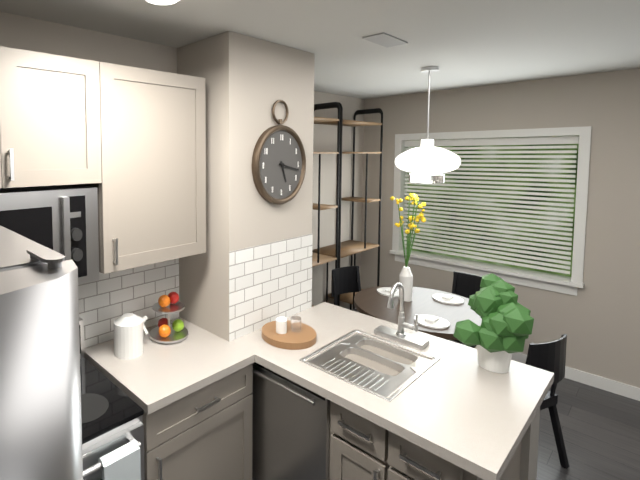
5:17
